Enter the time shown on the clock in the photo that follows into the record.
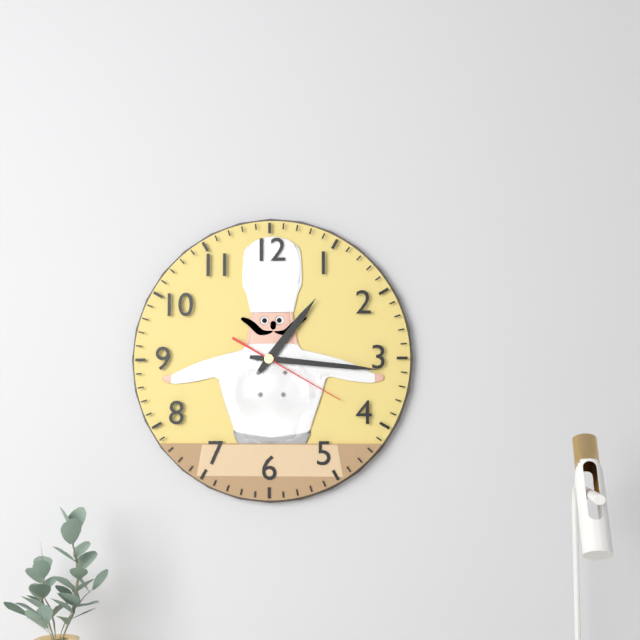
1:16:20
